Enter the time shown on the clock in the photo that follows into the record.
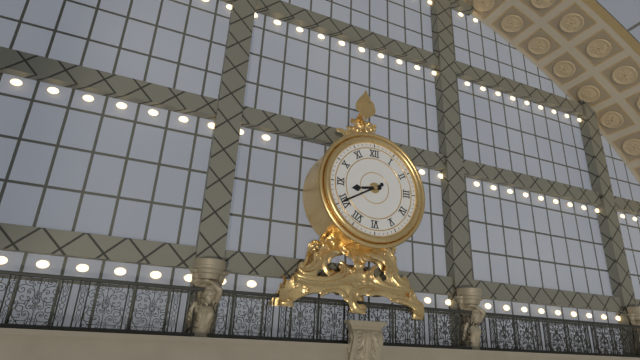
8:40
